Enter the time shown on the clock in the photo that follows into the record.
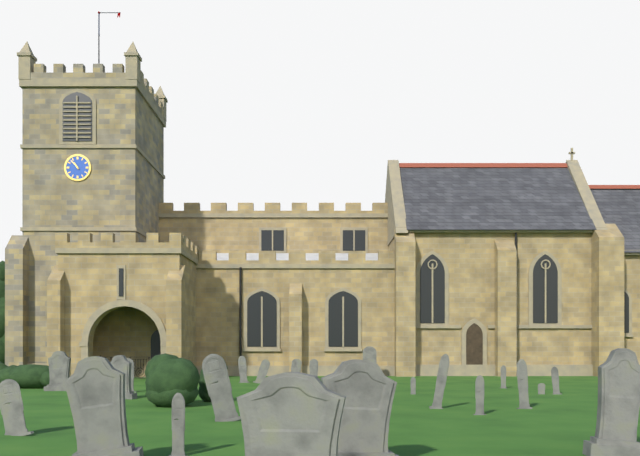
10:53
